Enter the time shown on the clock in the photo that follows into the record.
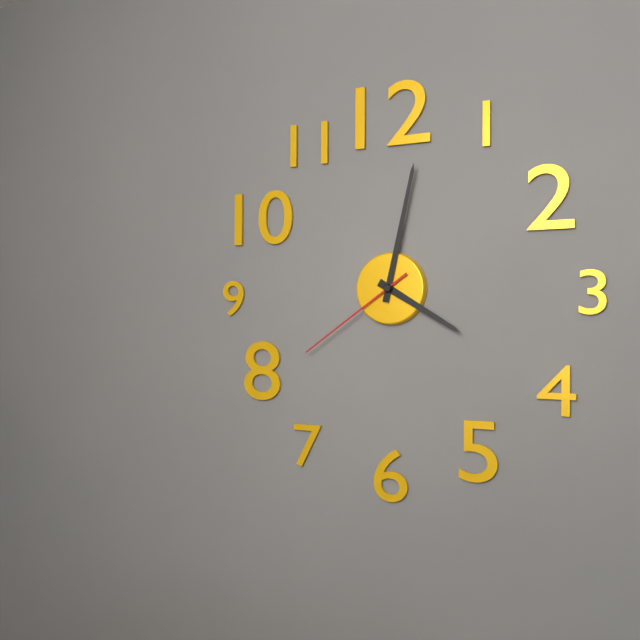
4:02:39
